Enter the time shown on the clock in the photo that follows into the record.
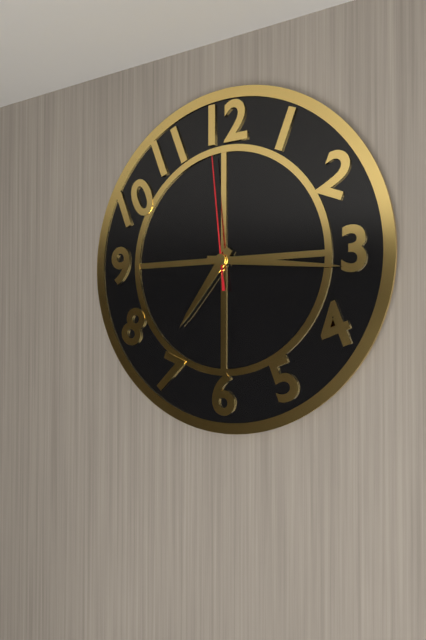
7:16:59
